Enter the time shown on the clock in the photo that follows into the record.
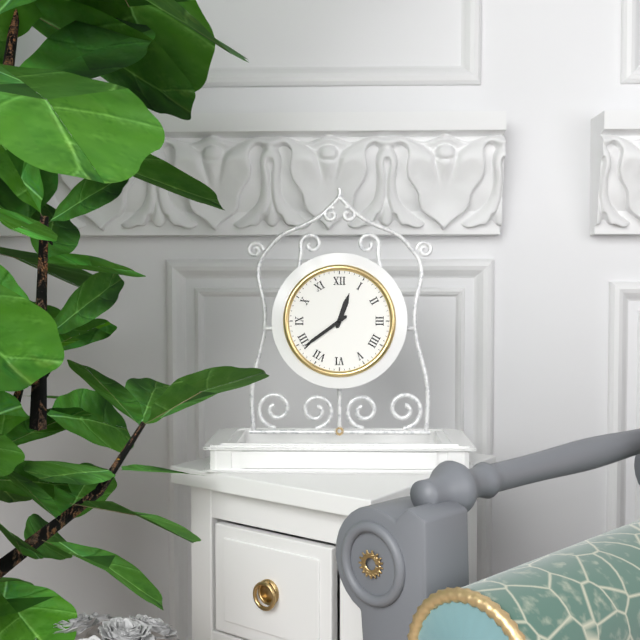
12:39
